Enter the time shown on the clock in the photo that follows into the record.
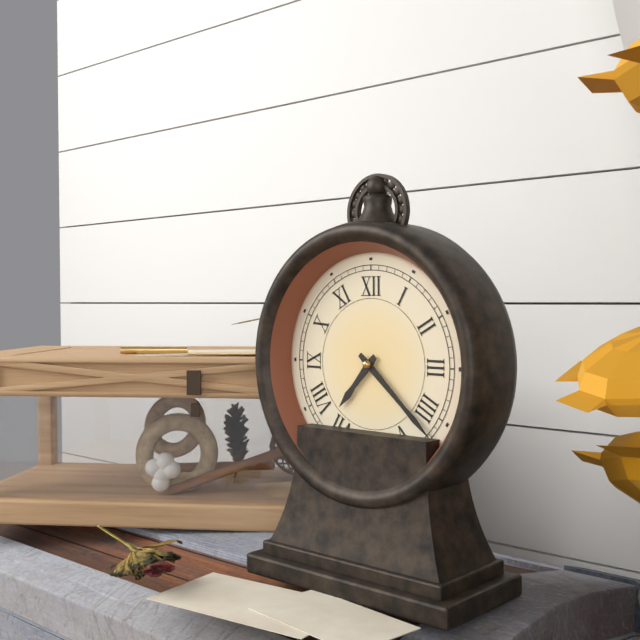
7:22
